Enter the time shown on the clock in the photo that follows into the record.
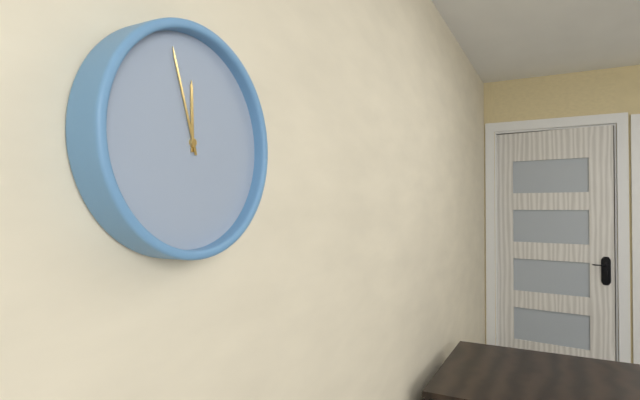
11:57
